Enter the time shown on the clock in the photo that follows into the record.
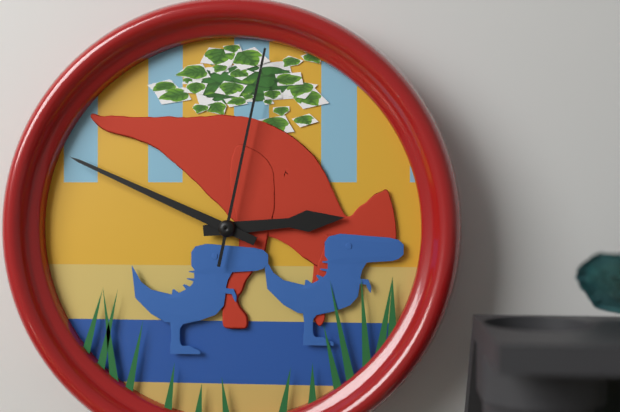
2:49:02
